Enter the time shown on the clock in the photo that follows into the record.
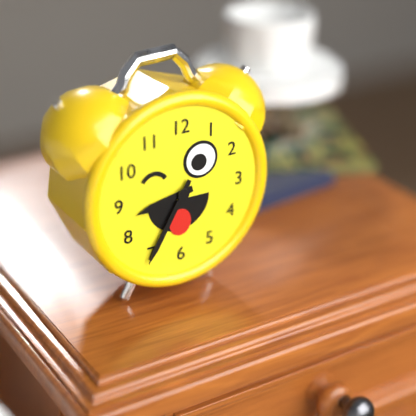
8:35
